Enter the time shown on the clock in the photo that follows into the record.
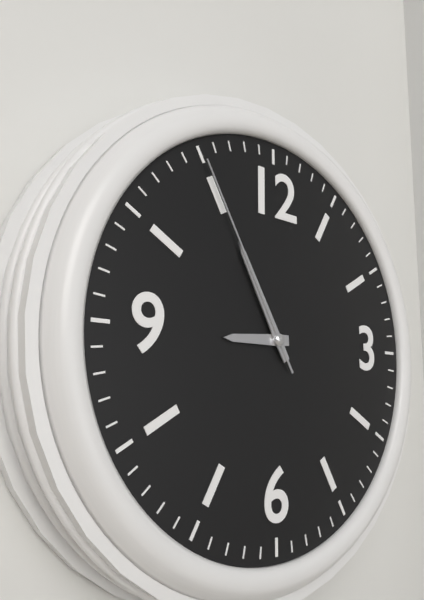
8:55:55
